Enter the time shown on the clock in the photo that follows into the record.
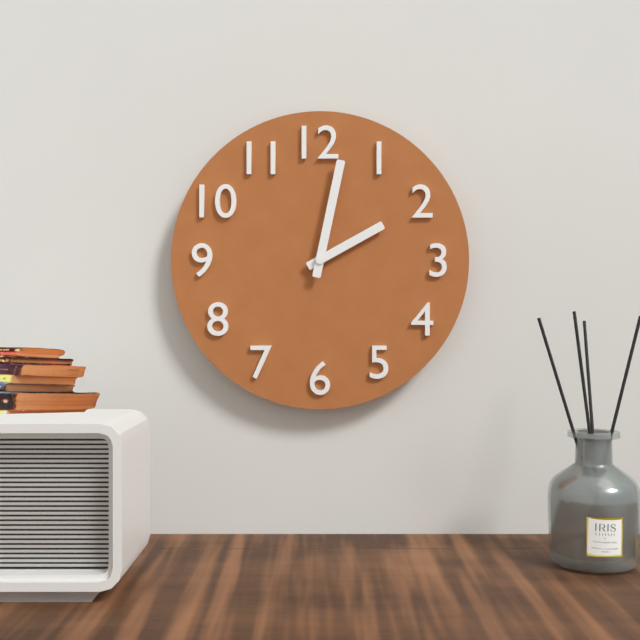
2:02
